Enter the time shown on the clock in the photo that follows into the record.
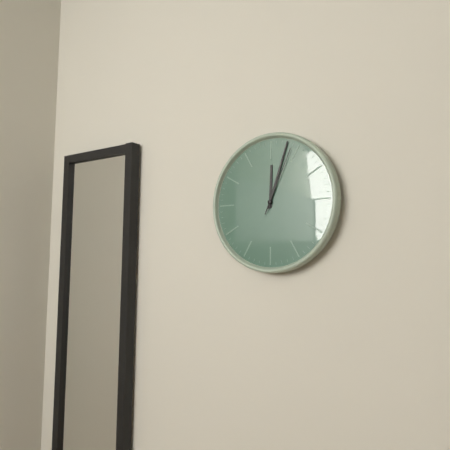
12:03:04
